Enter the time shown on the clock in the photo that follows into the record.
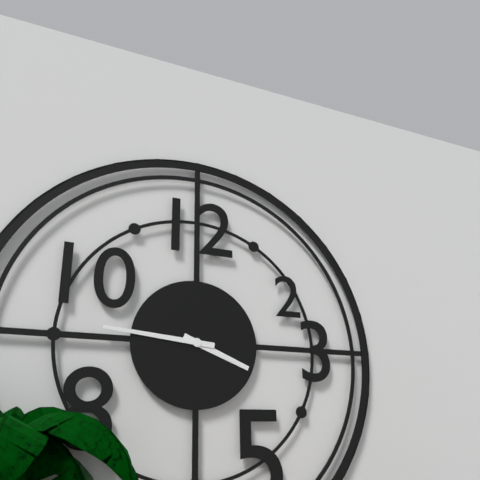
3:46
